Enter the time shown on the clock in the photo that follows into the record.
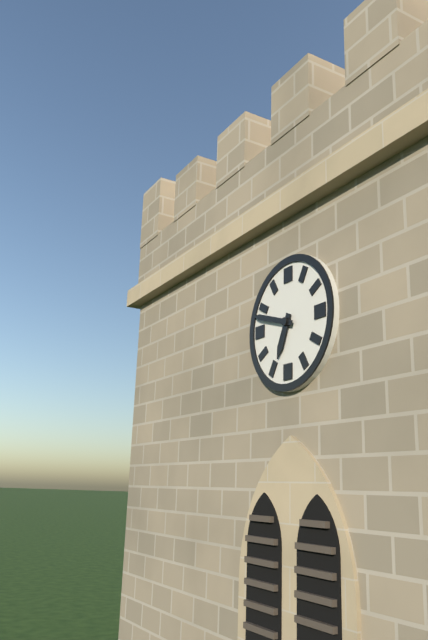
6:48
